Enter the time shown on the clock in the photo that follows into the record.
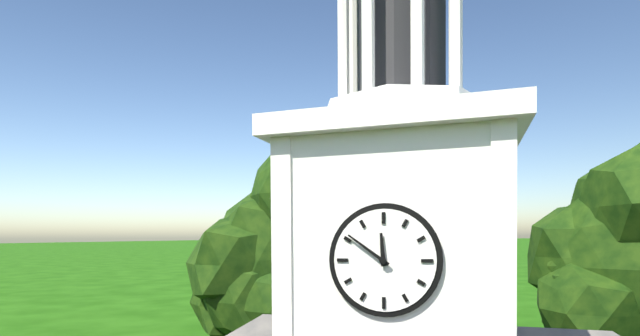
11:51
